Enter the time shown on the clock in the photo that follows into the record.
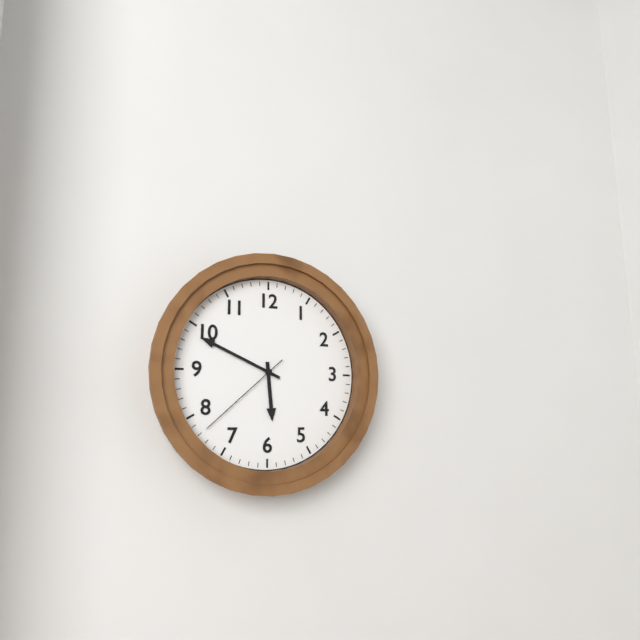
5:49:38
